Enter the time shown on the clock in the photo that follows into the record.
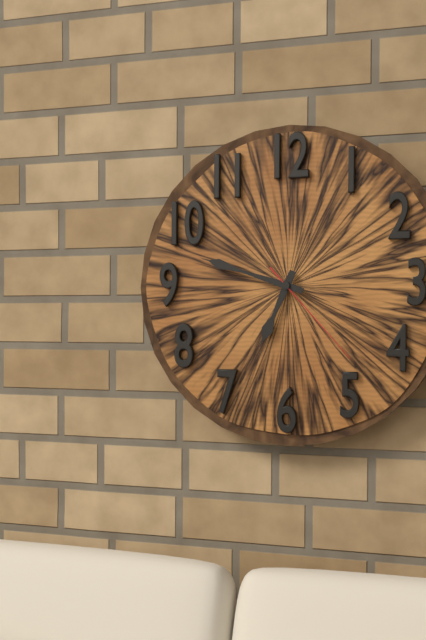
6:48:23
